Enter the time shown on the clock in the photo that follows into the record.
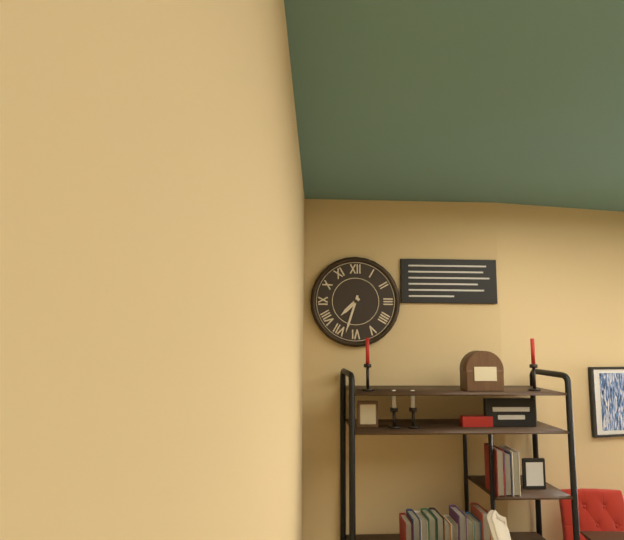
7:33
